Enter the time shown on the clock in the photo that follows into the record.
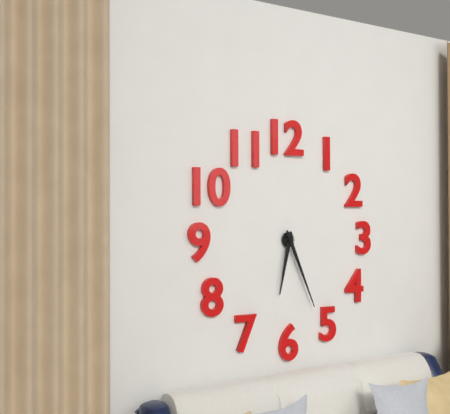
6:26
